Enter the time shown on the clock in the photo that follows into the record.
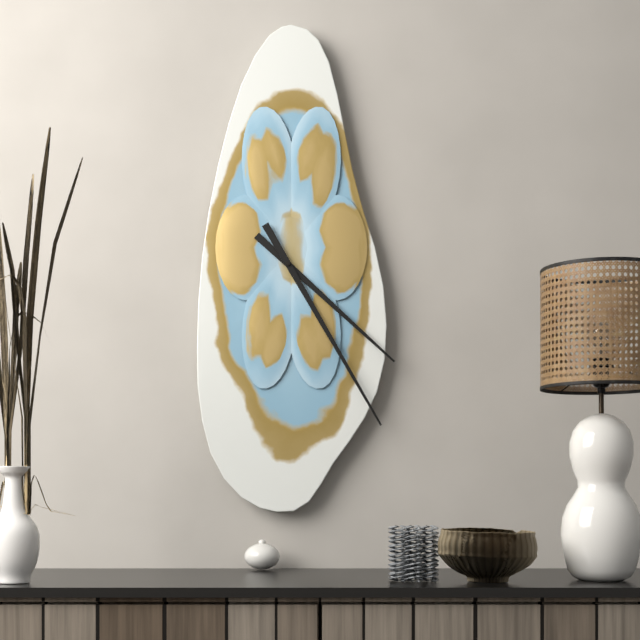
4:25
